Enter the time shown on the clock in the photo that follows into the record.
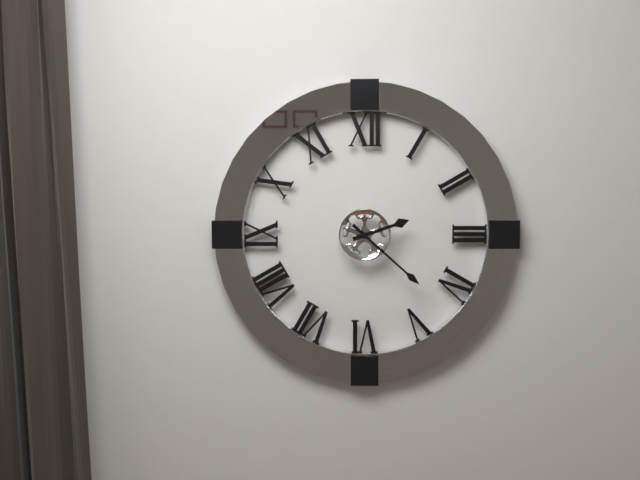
2:22
